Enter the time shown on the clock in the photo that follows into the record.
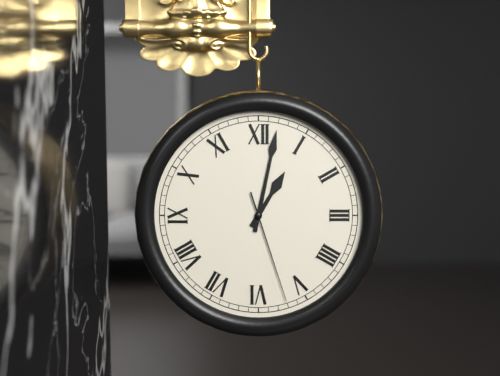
1:02:27
